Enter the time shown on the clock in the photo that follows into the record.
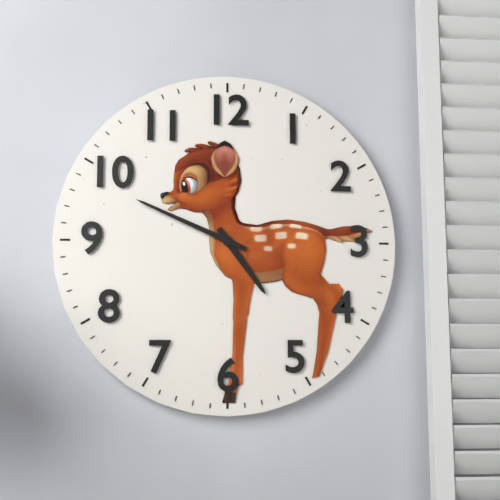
4:49
